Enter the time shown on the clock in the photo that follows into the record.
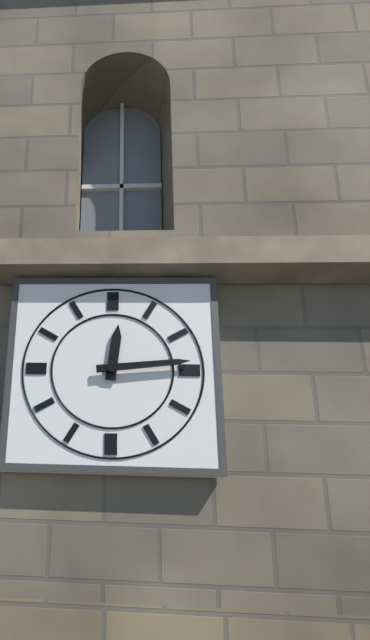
12:14
